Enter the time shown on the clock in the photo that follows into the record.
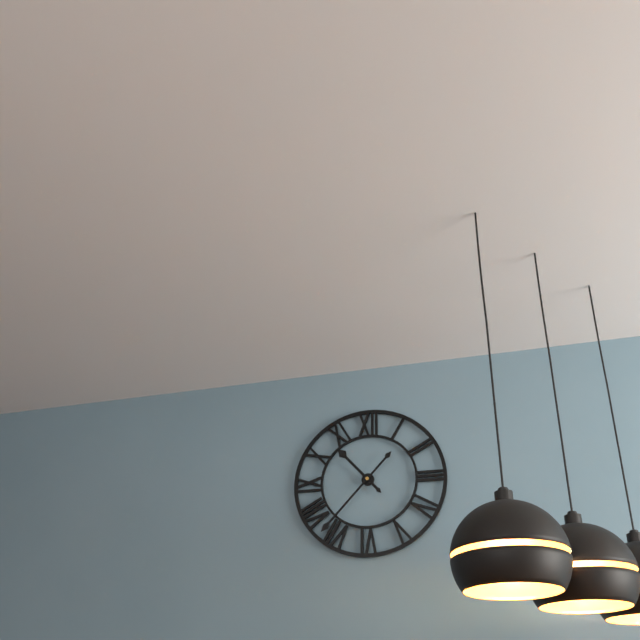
10:37
